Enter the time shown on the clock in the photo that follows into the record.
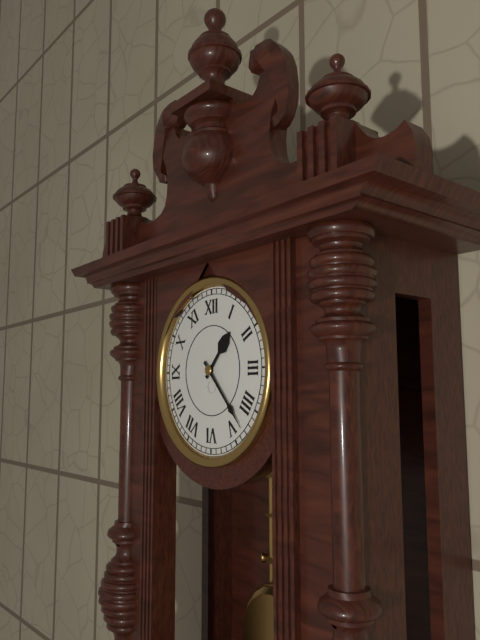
1:23
